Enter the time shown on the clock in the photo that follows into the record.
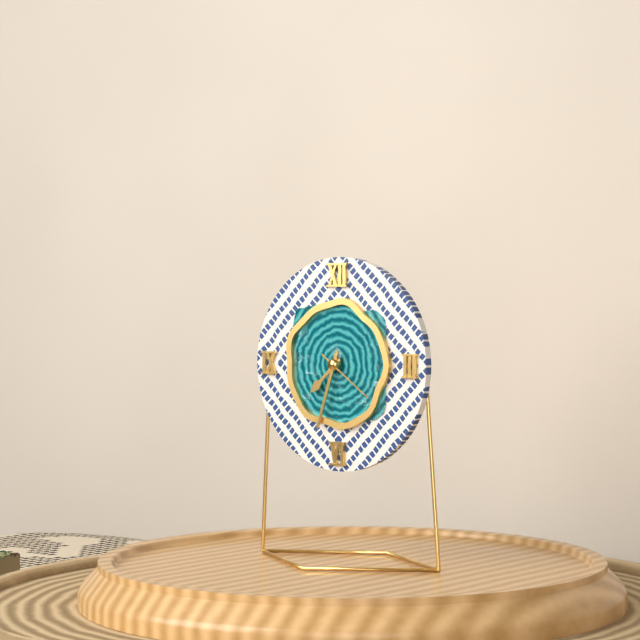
7:33:21
